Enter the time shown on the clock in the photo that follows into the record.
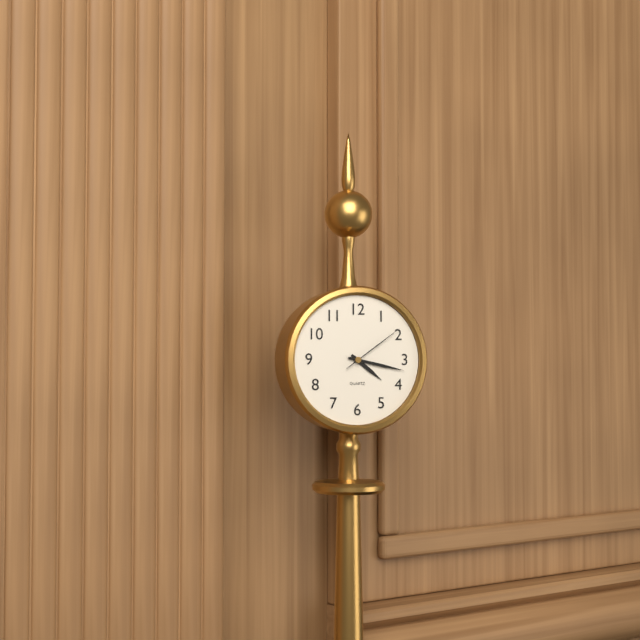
4:17:09
